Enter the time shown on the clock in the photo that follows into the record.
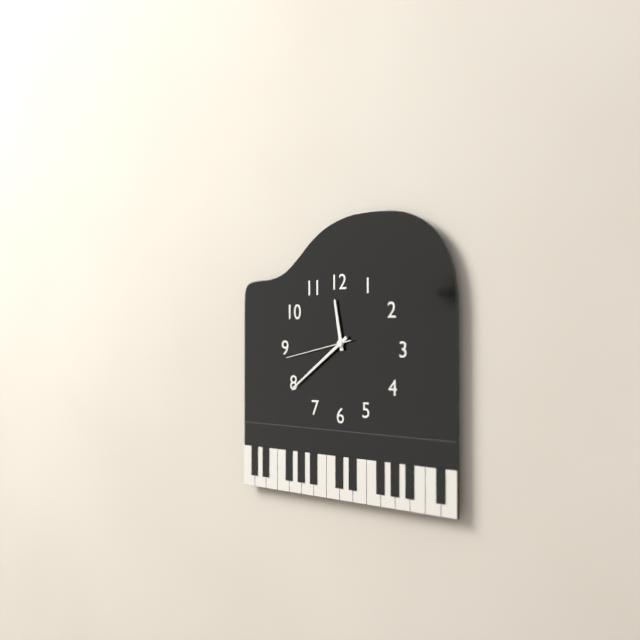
11:39:43
